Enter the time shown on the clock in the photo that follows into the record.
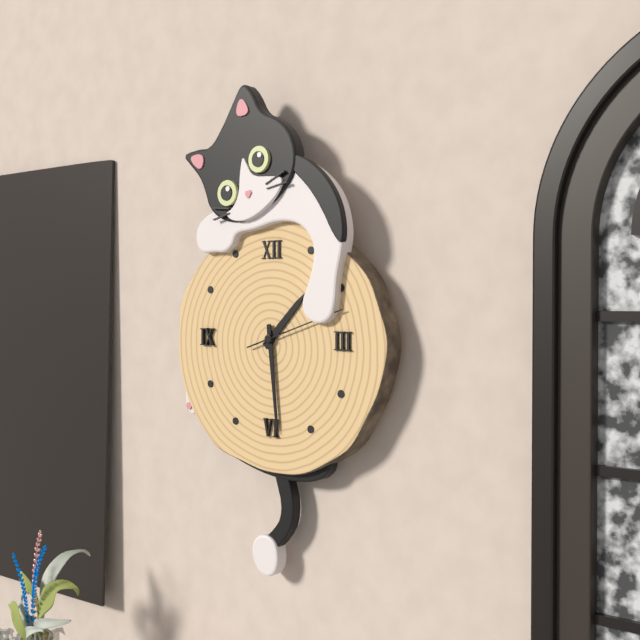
1:29:12
